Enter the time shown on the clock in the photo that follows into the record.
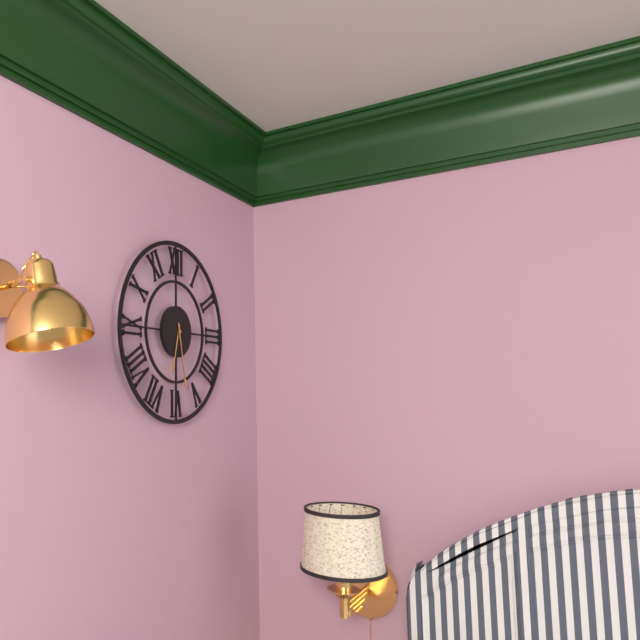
6:28
